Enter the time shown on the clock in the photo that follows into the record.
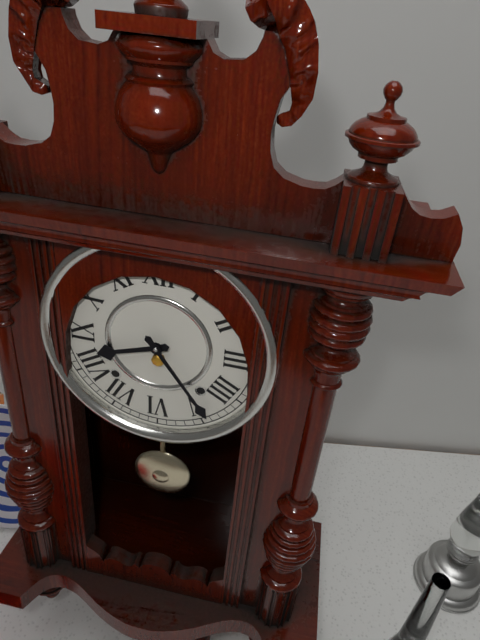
8:24
